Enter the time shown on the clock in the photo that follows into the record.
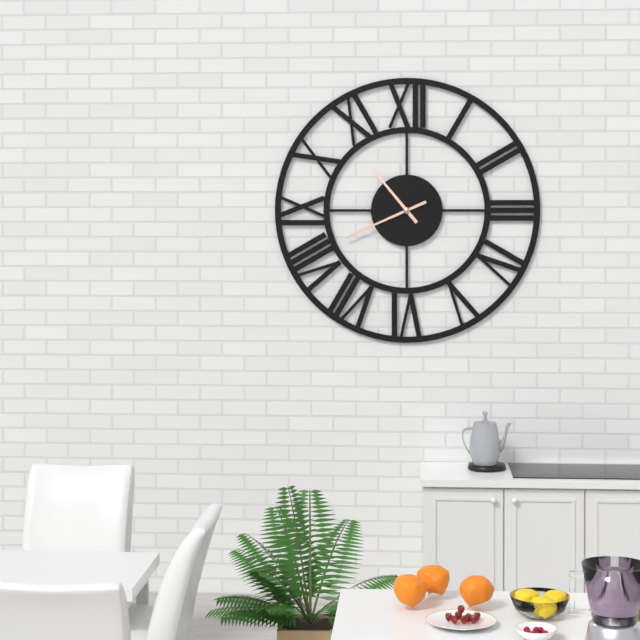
10:41
